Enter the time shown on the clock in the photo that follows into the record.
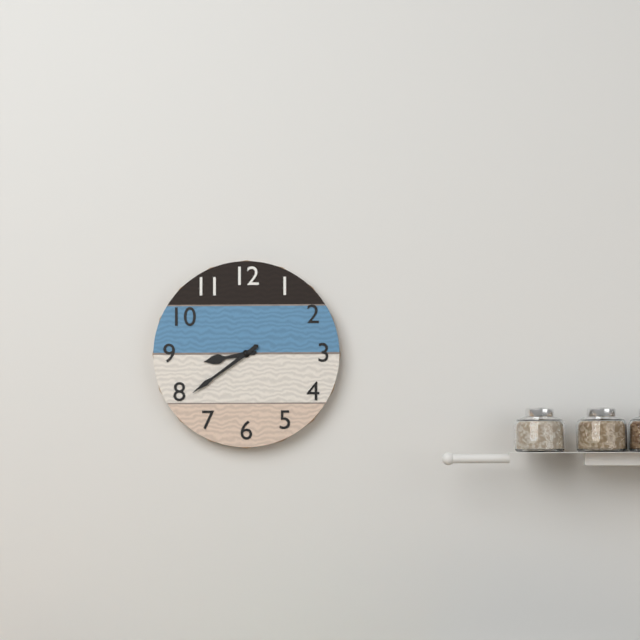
8:39
